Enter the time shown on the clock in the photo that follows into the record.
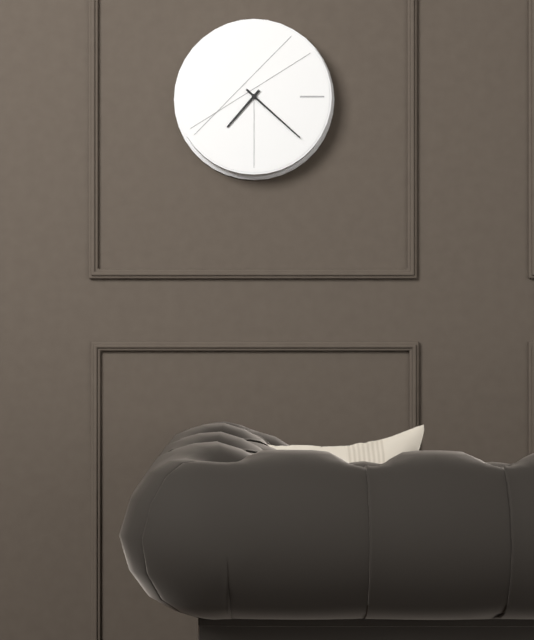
7:22
